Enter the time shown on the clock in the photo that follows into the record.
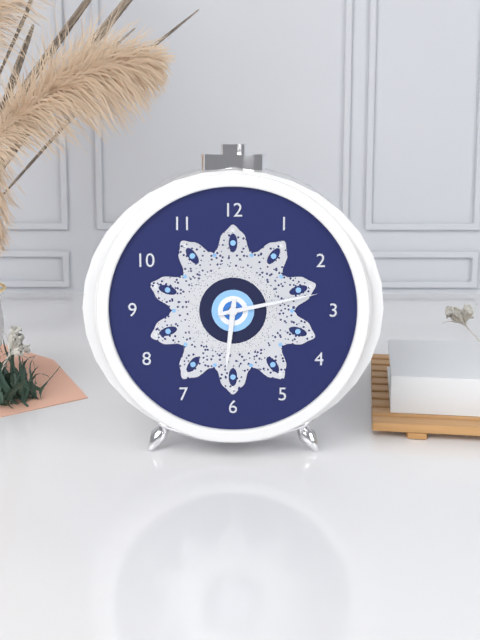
6:13
